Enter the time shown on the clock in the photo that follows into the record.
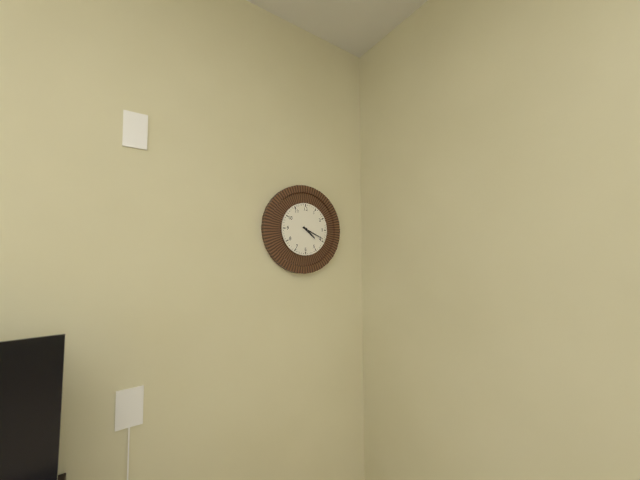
4:19
